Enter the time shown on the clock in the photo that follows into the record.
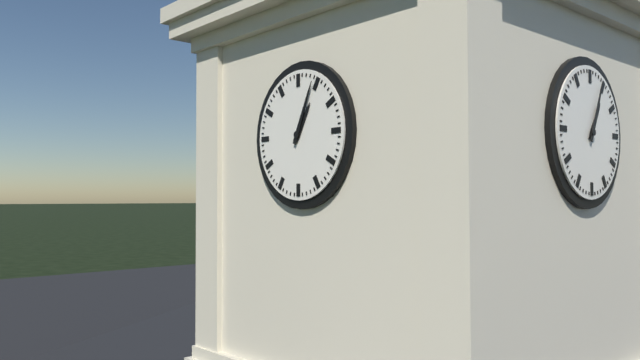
1:04
